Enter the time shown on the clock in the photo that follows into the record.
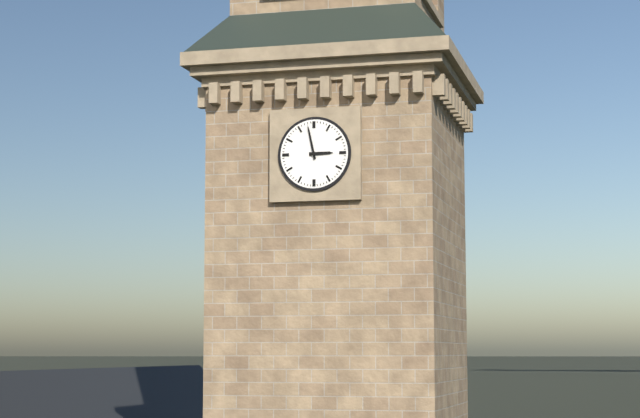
2:58
